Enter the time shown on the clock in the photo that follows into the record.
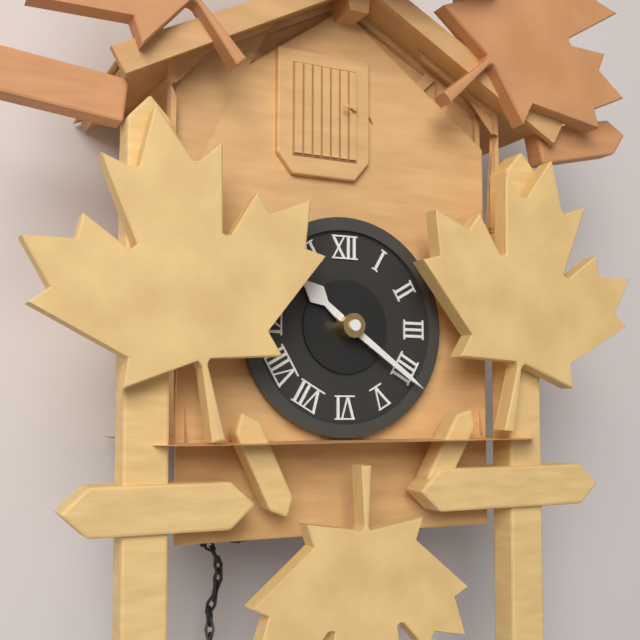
10:21
